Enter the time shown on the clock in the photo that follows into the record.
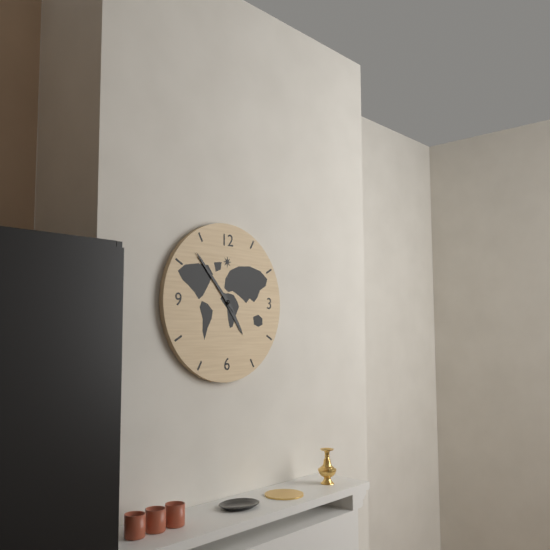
4:53
